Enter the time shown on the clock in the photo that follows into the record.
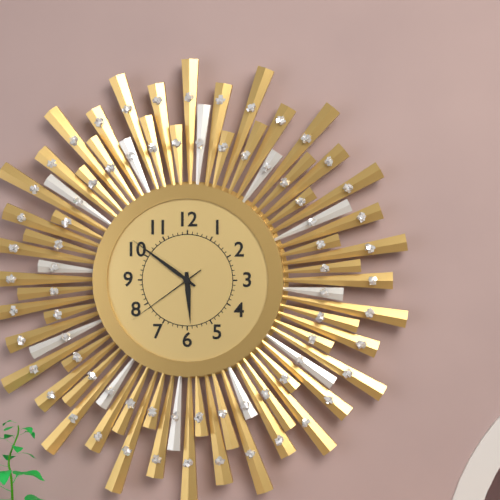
5:51:39
